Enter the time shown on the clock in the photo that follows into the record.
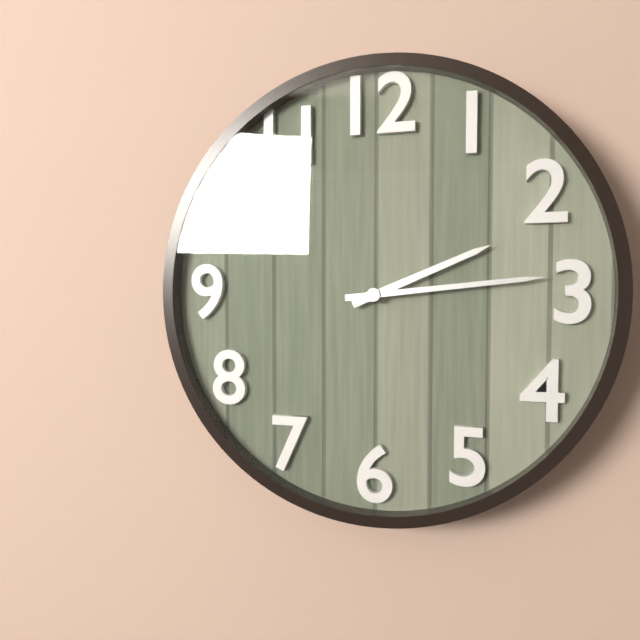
2:14
